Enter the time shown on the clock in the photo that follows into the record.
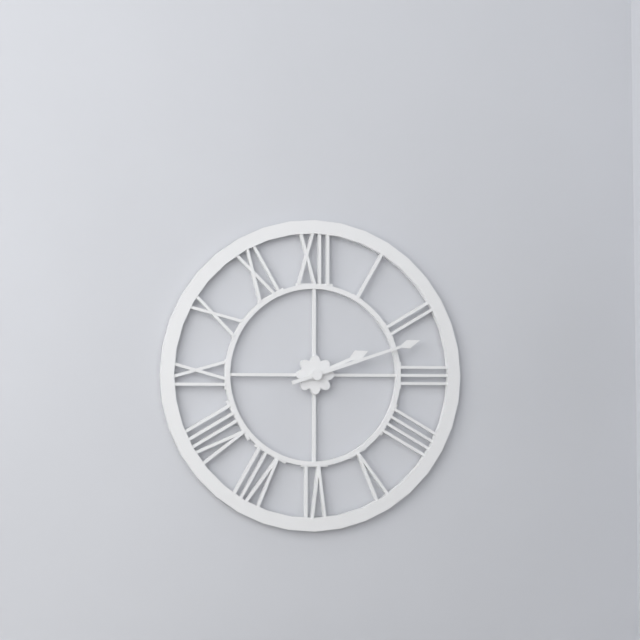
2:12
